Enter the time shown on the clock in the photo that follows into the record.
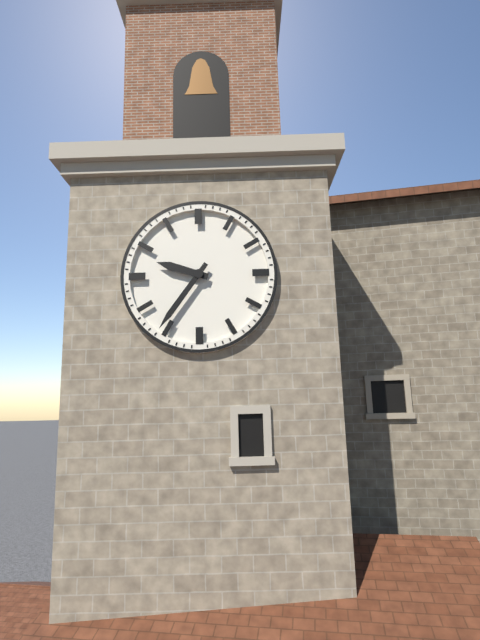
9:36
